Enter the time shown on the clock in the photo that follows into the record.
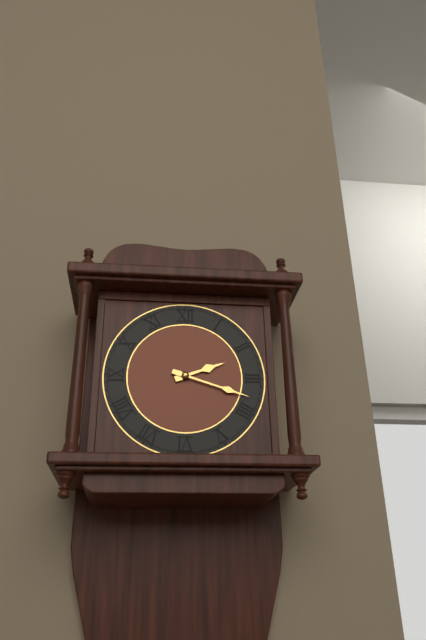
2:18
